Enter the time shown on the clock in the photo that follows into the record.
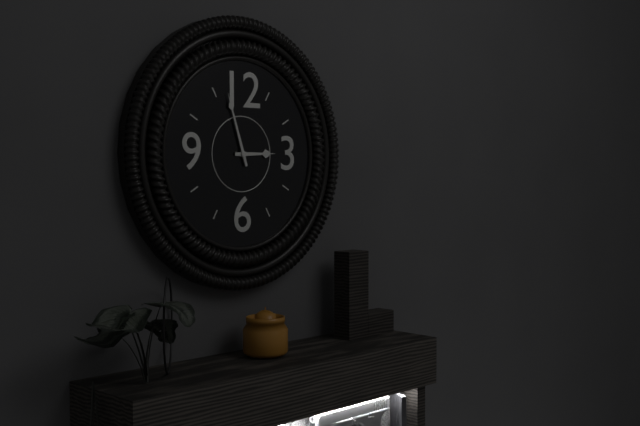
2:57
